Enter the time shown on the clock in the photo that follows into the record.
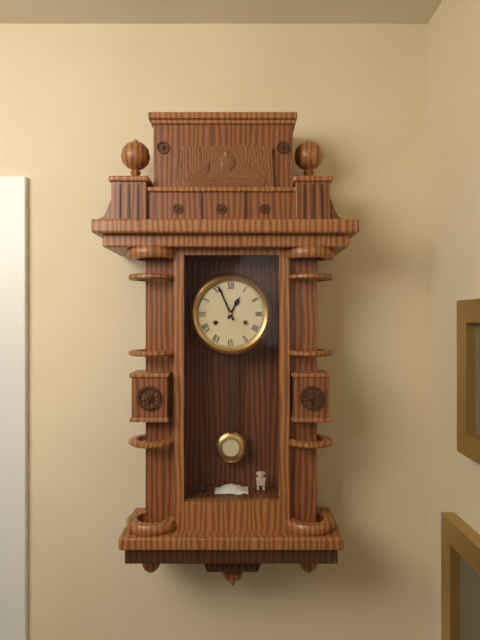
12:56
